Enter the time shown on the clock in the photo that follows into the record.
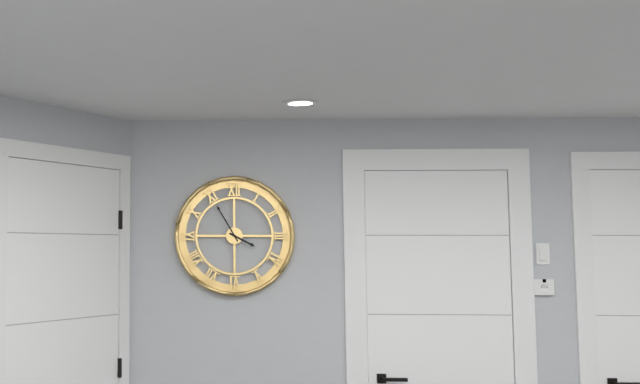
3:55
